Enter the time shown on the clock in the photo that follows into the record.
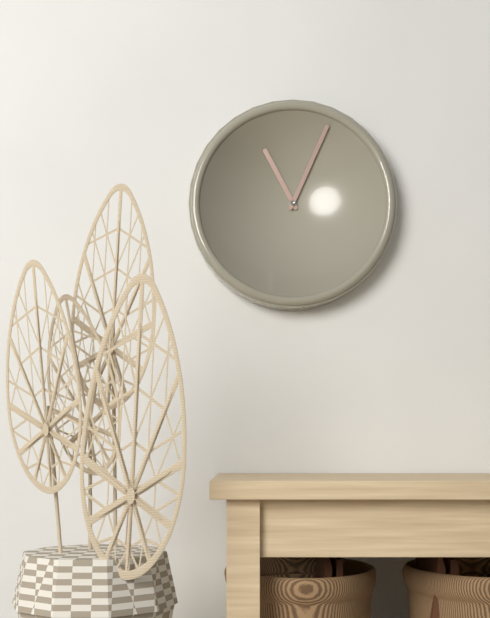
11:04
